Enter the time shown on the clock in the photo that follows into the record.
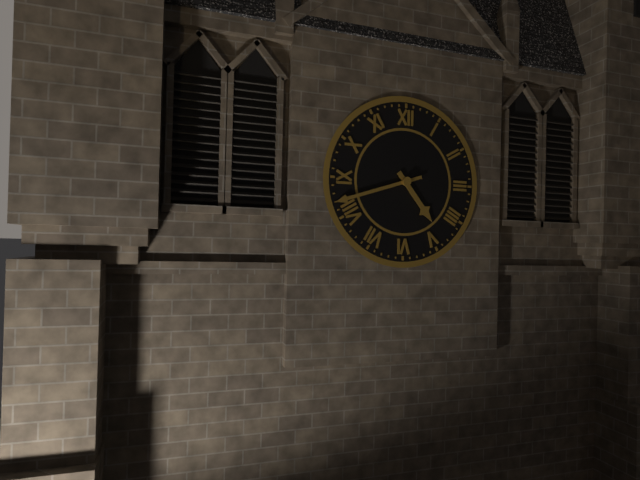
4:42
